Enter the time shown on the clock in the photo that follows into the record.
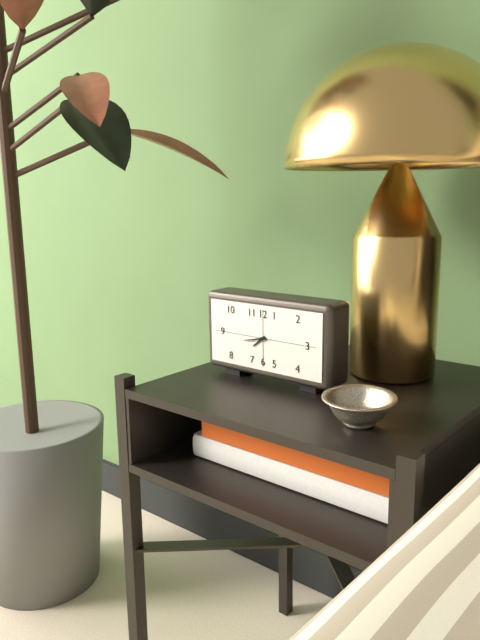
7:43
